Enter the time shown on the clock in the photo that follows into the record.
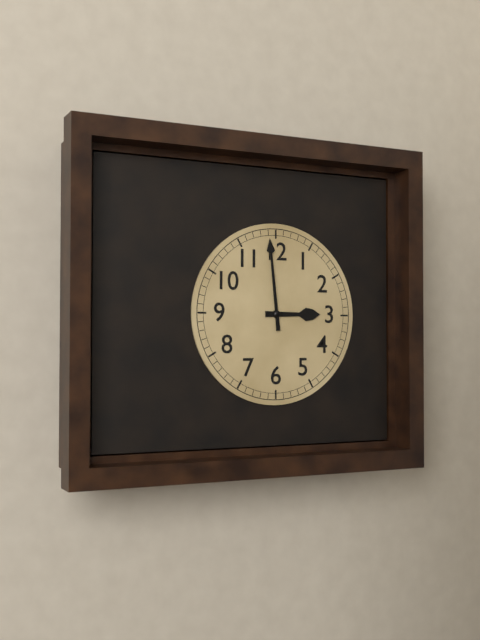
2:59
